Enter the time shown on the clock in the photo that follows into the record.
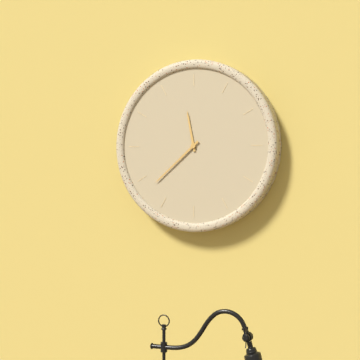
11:38
